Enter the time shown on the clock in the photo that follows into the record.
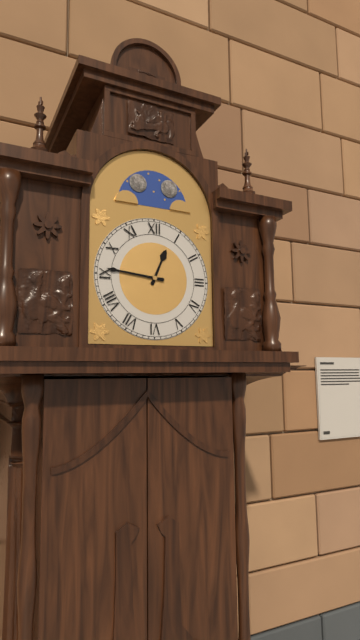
12:46
